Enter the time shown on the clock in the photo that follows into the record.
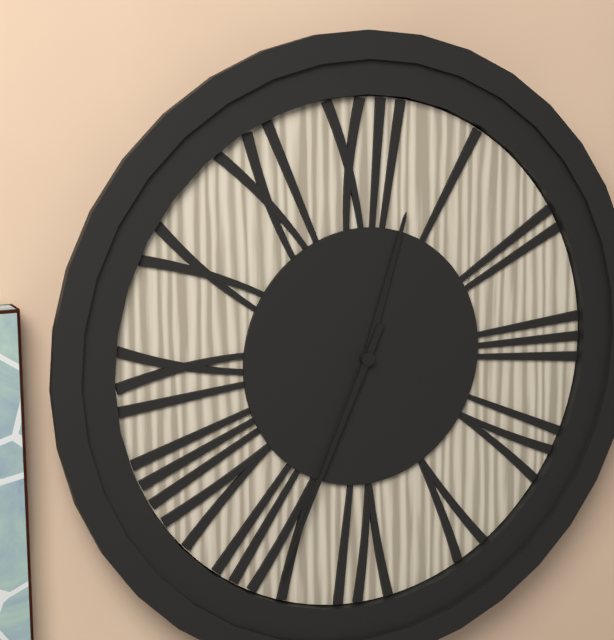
12:34
